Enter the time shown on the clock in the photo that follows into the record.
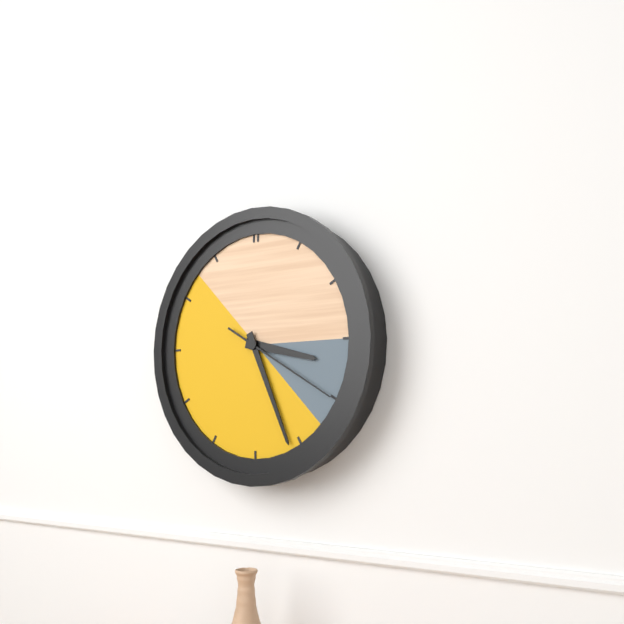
3:26:20
